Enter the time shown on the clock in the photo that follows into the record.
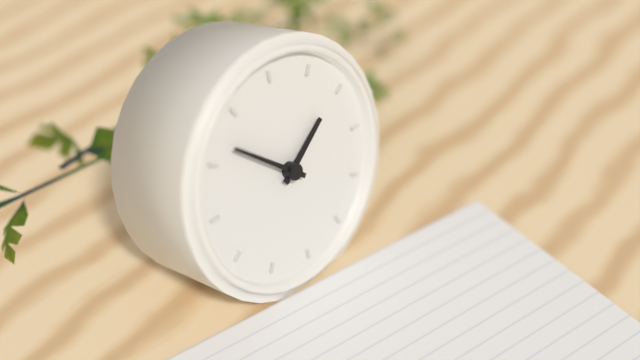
1:52
